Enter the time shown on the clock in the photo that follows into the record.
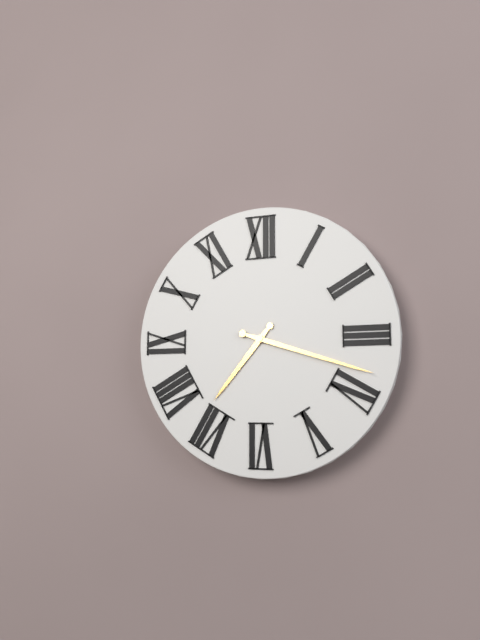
7:18
